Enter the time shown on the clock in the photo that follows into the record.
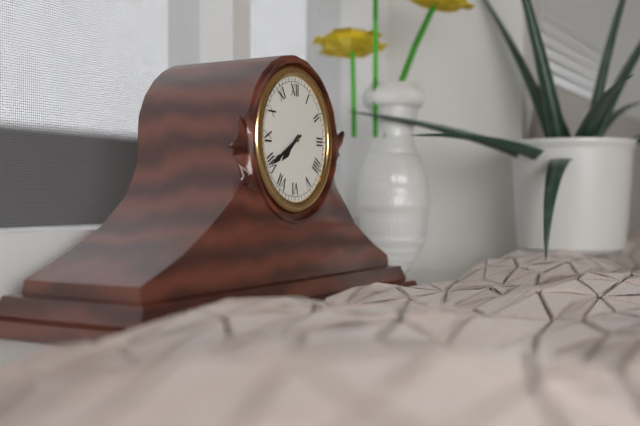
7:40
